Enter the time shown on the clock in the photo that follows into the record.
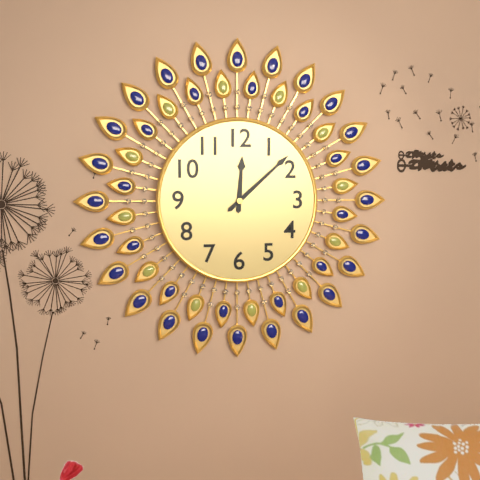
12:08
